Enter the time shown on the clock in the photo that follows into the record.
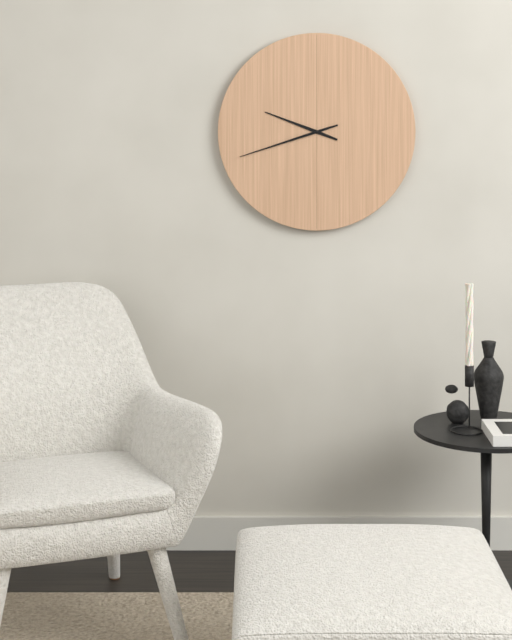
9:42
